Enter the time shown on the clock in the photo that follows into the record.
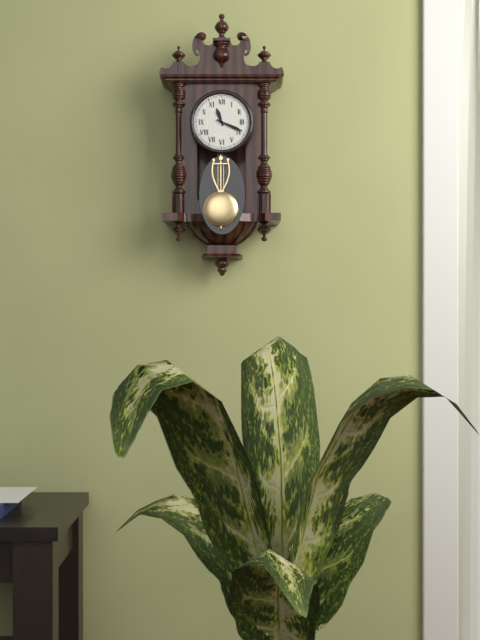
11:19
